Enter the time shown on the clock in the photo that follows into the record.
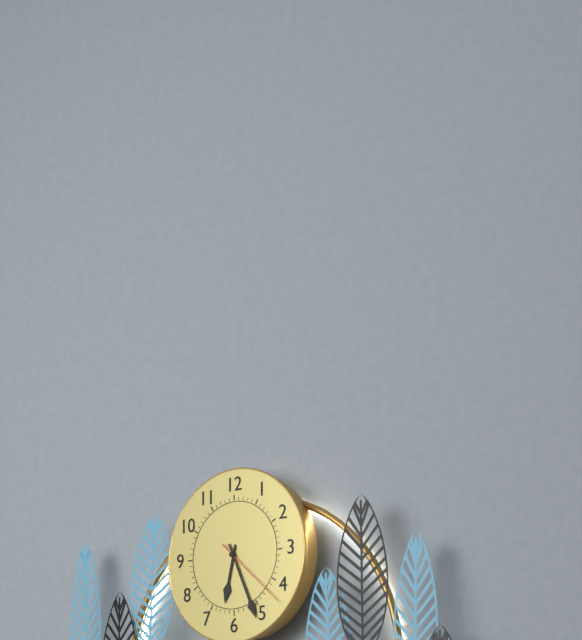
6:26:22
